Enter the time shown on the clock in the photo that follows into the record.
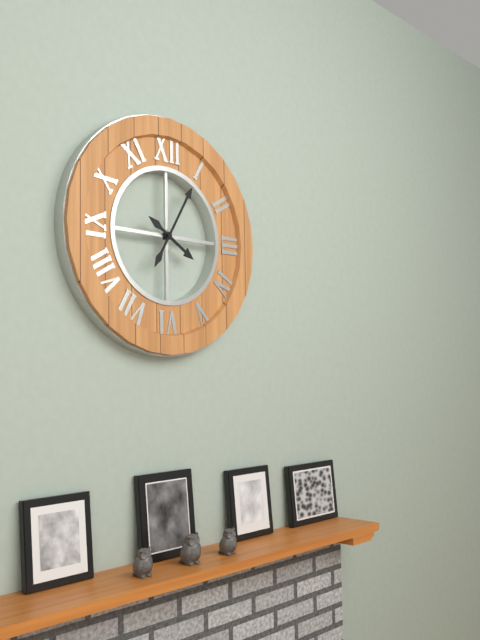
4:05
